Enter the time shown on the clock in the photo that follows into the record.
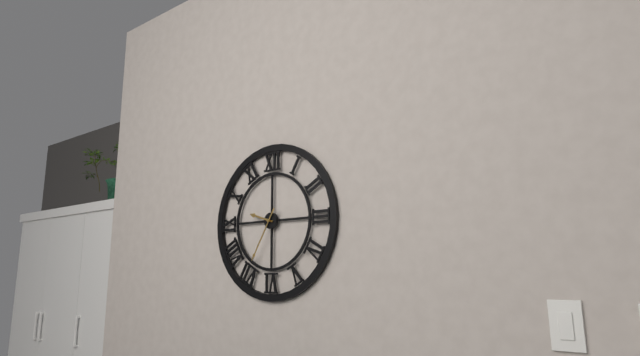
9:35
